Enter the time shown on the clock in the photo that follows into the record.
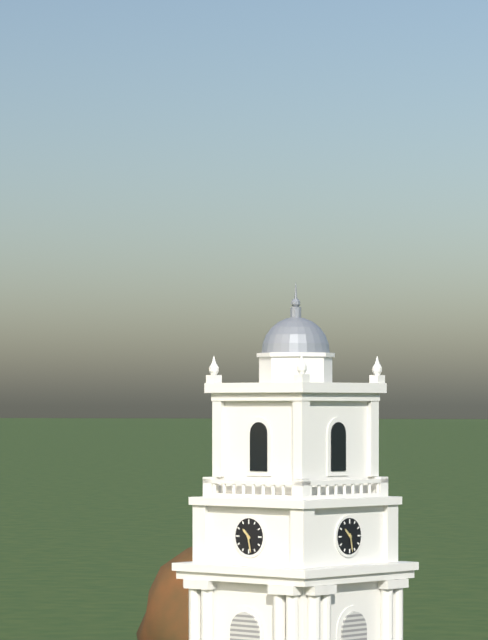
10:28
